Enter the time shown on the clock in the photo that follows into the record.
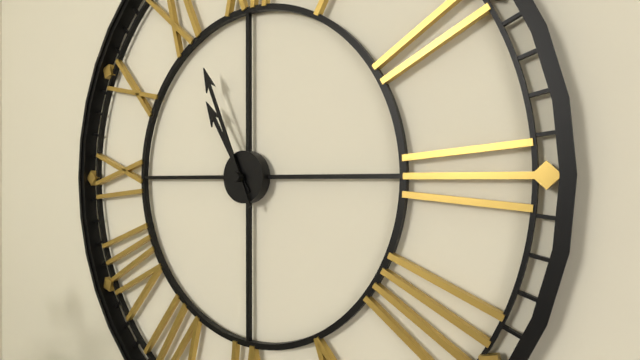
10:56
